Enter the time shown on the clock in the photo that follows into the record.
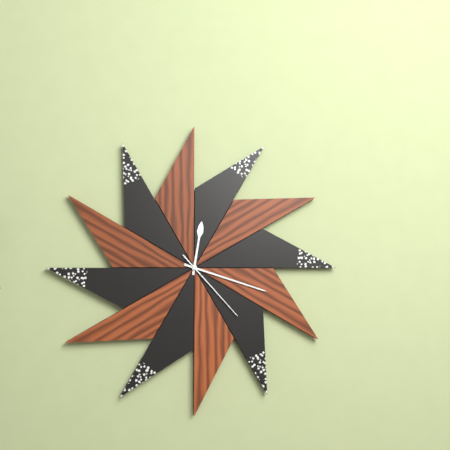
12:18:23
